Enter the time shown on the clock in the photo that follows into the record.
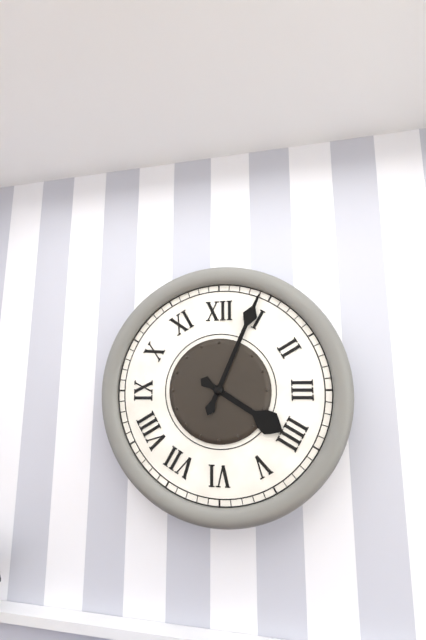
4:04
